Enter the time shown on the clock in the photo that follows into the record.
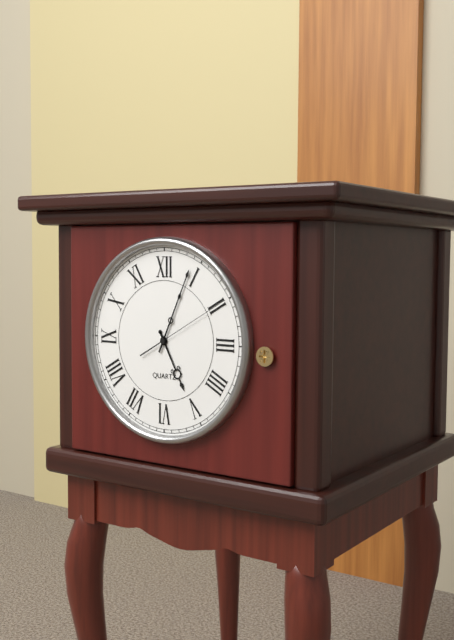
5:04:10
